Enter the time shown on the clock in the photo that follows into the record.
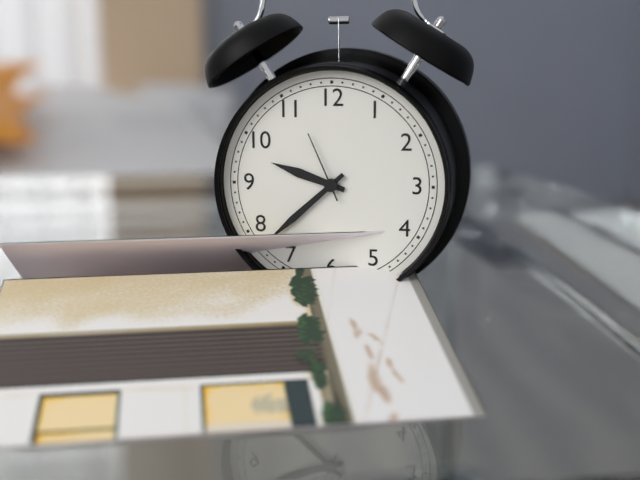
9:38:56
